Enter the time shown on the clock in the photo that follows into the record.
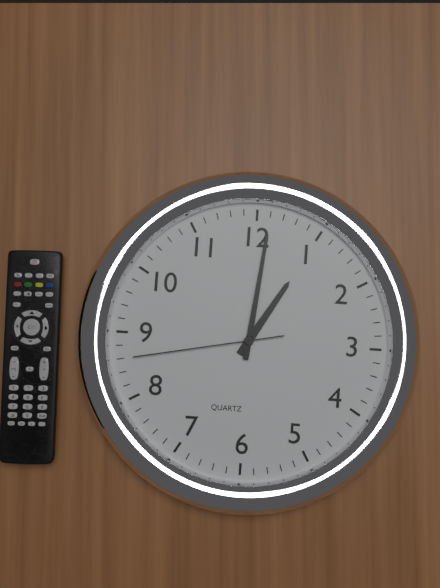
1:01:43
